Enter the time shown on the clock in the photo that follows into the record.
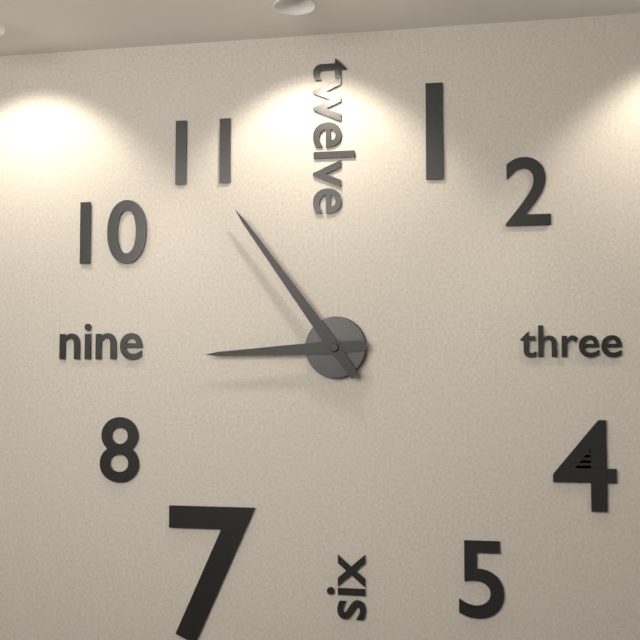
8:54
